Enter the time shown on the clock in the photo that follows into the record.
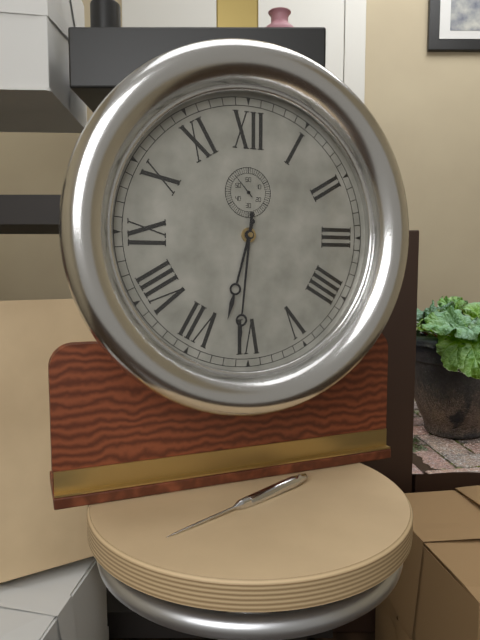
6:31
